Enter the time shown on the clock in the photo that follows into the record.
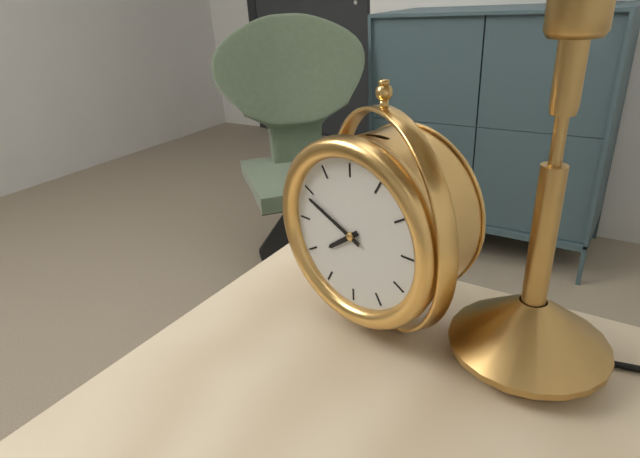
7:49
